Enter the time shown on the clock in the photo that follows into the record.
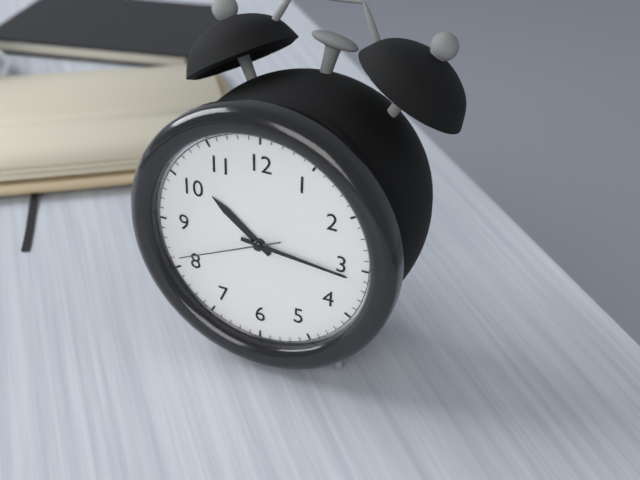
10:16:41
